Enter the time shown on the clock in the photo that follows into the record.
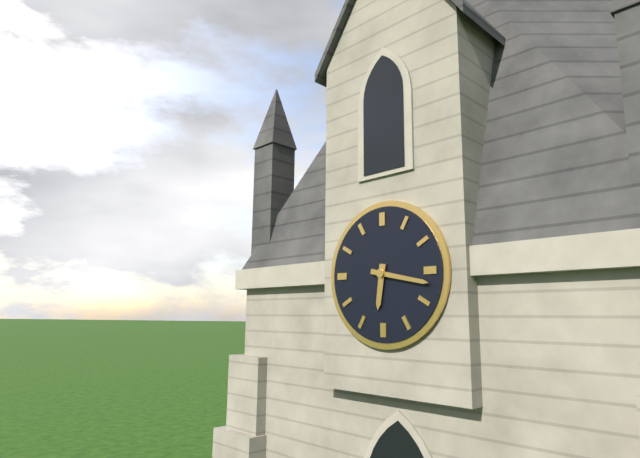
6:17
